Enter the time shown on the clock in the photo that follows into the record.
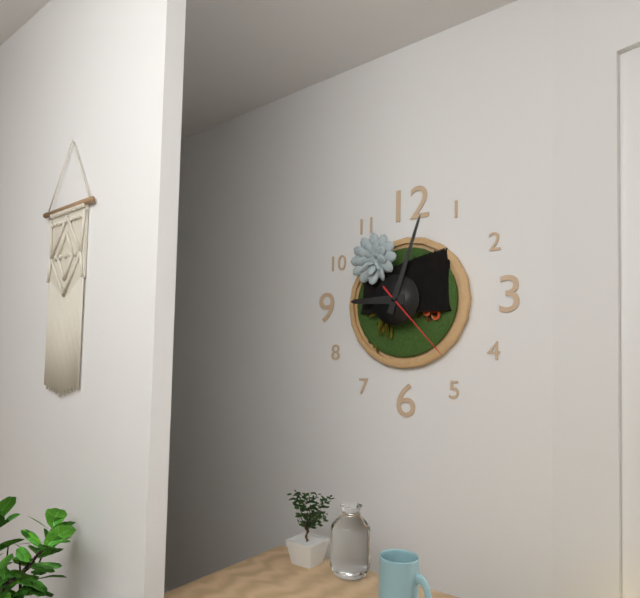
9:03:23
